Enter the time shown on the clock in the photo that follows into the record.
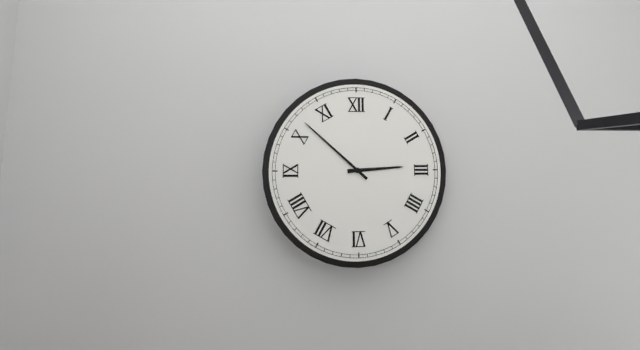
2:52
